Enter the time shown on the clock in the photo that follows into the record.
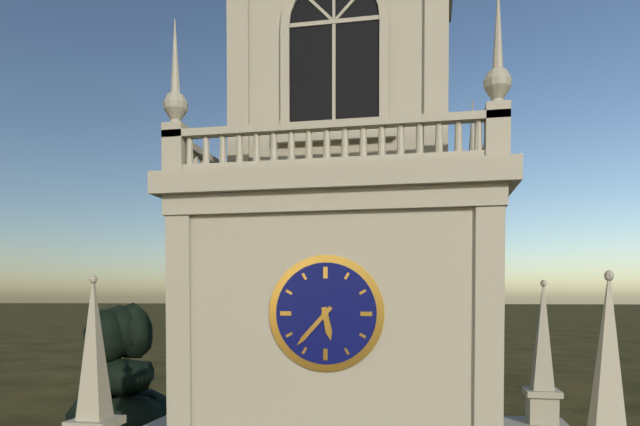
5:37
